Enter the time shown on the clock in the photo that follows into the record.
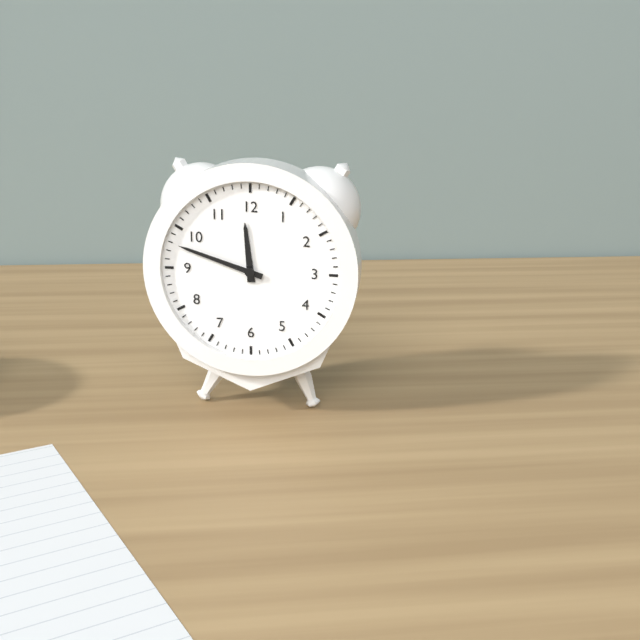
11:48
